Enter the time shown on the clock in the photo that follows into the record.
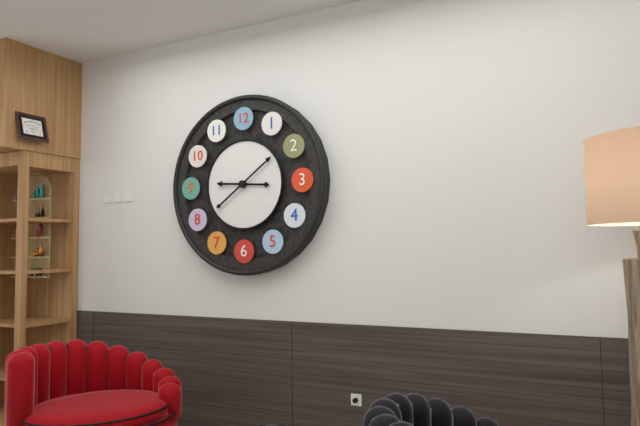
9:09
